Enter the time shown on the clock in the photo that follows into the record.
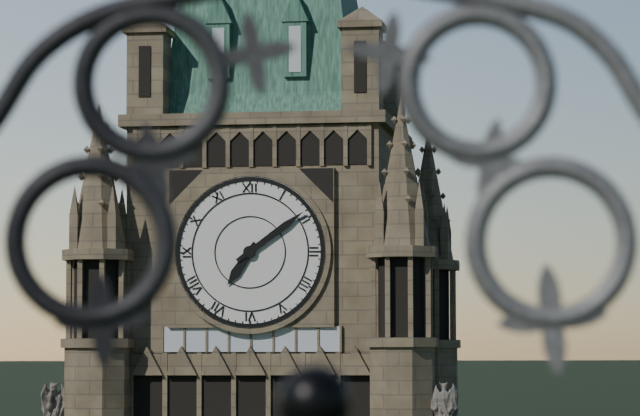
7:09
